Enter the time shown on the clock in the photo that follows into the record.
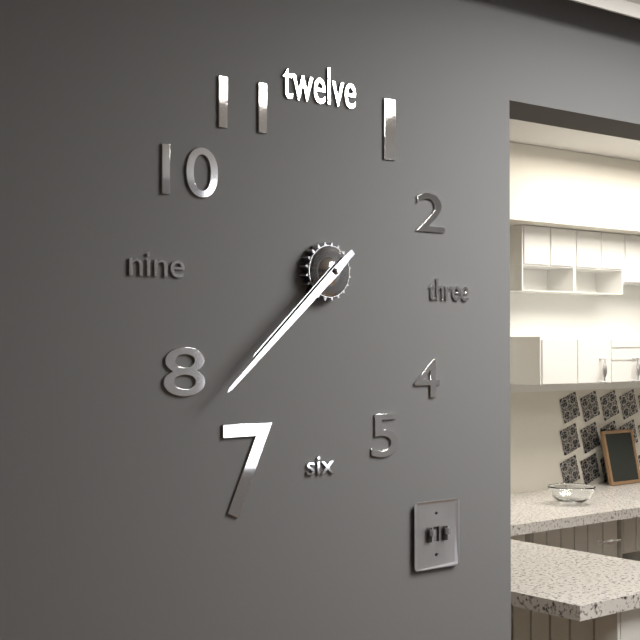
7:38
